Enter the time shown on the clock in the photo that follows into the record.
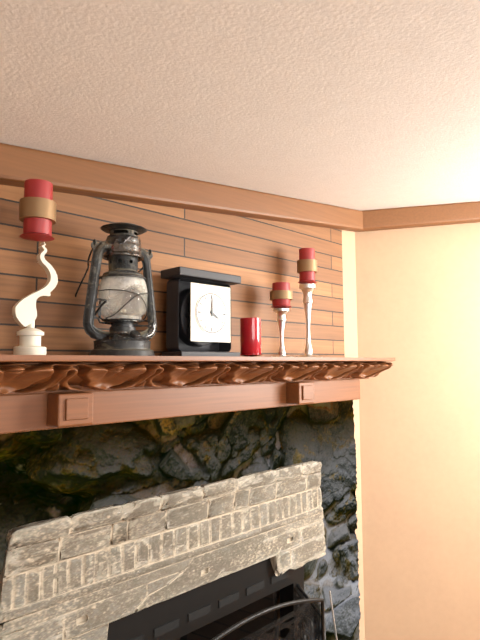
4:00
